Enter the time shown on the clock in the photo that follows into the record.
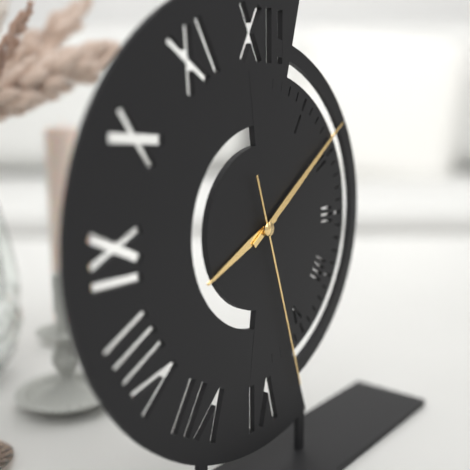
8:09:27
